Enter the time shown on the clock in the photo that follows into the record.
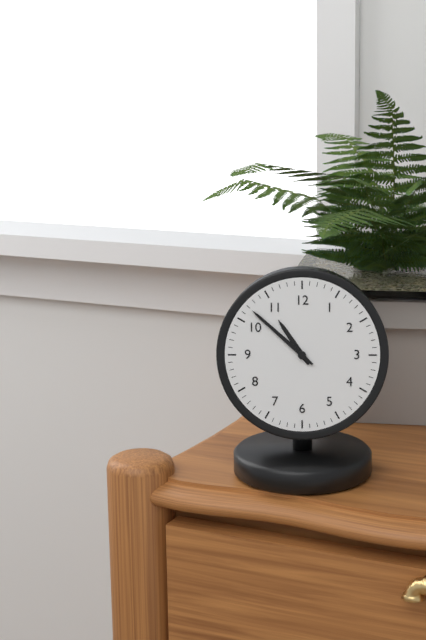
10:52
